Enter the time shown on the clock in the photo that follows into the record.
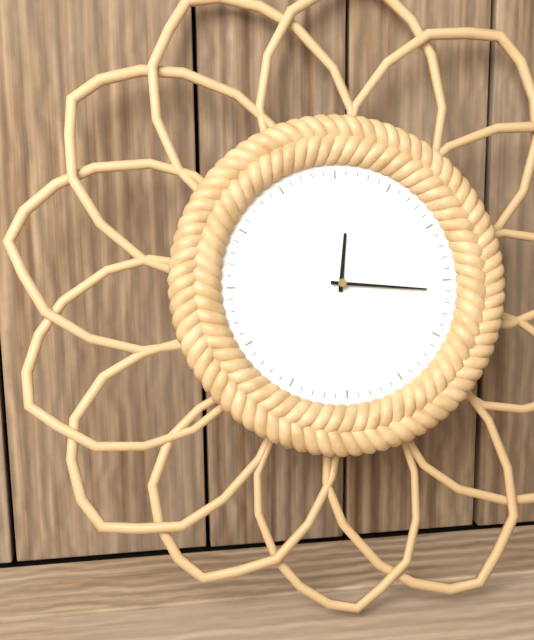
12:16
